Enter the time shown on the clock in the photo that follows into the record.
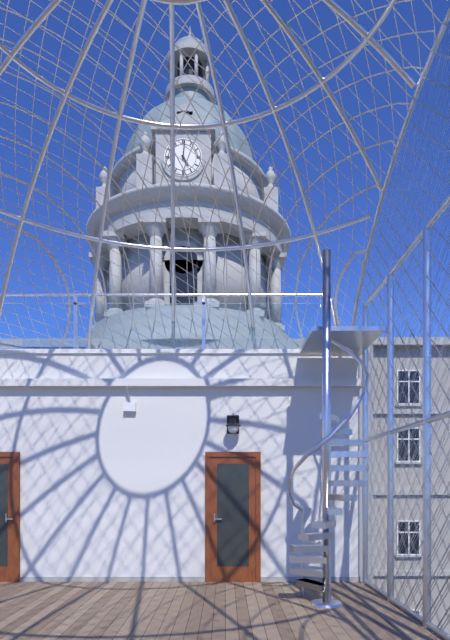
5:01
